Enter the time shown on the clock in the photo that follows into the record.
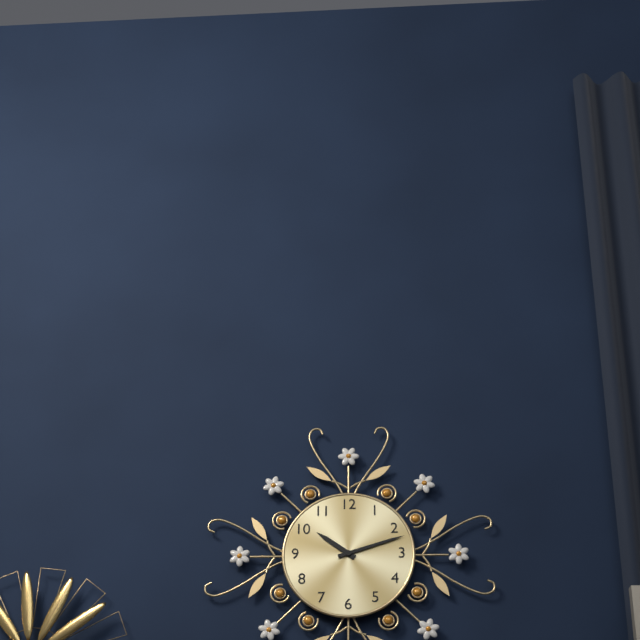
10:12
